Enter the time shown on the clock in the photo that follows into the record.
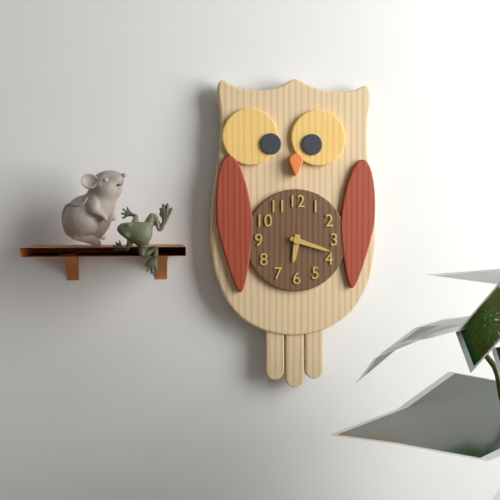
6:18
